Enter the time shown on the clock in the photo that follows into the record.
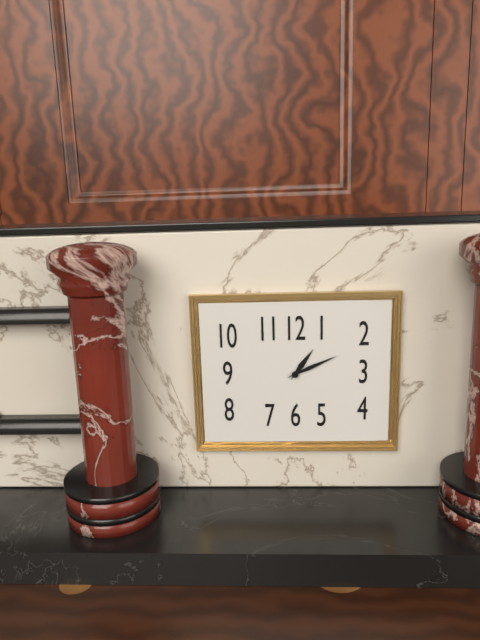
1:11
